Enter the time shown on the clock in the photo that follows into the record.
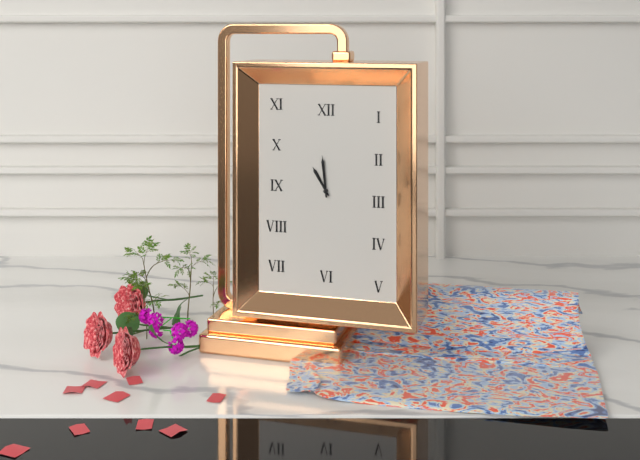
10:59
